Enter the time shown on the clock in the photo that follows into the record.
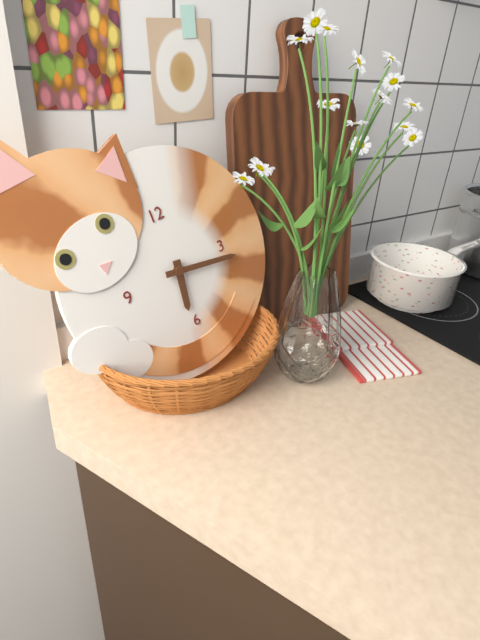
6:17
